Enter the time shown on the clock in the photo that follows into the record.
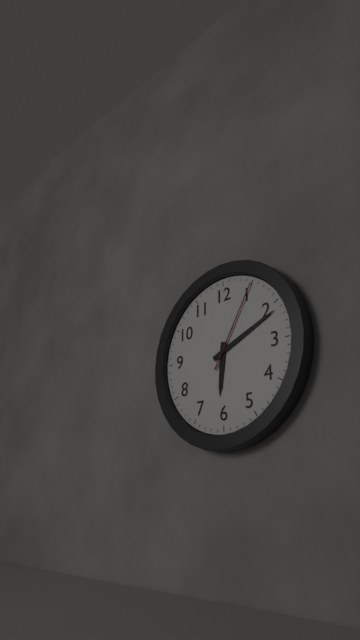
6:11:05
